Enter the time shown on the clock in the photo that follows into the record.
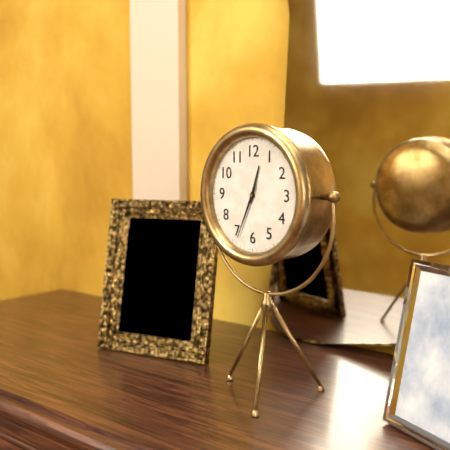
12:34
